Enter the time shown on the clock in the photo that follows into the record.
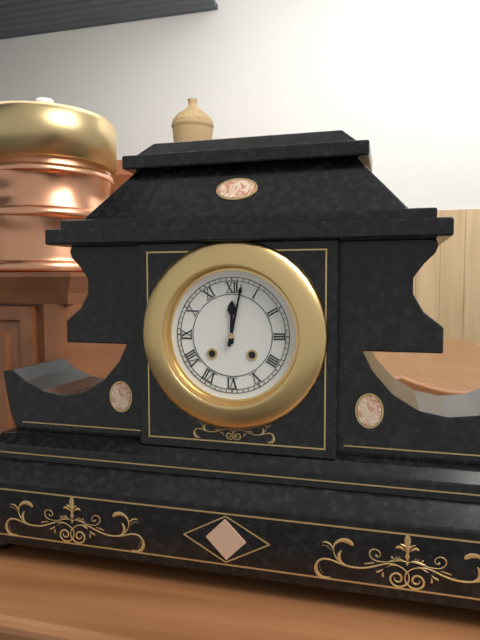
12:02
